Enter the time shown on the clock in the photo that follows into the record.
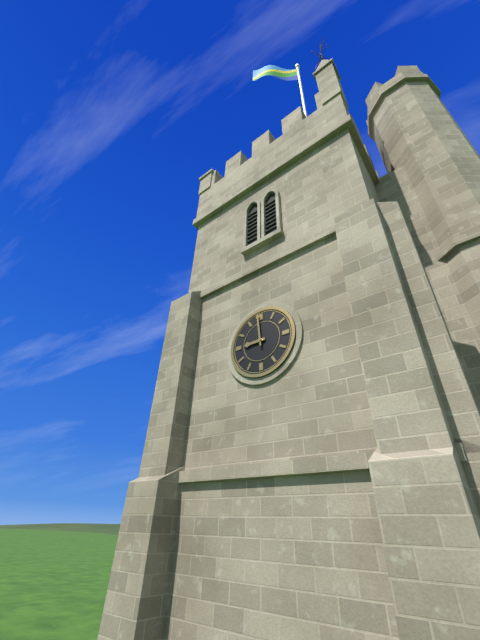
8:59
